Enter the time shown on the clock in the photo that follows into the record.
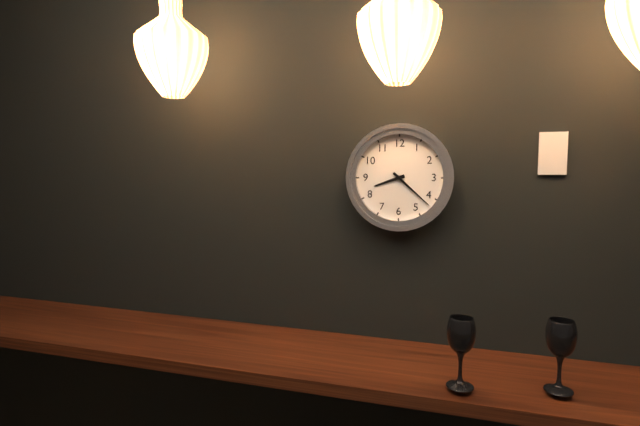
8:22
